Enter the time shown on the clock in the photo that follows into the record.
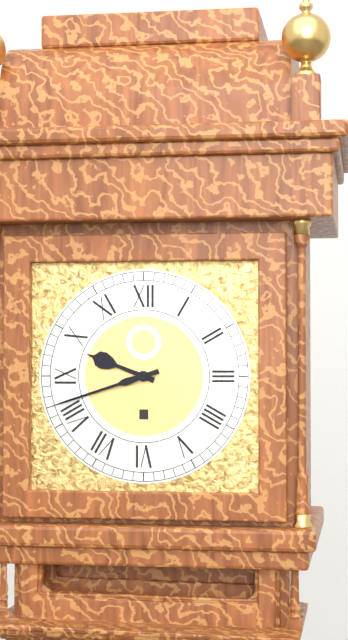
9:42
